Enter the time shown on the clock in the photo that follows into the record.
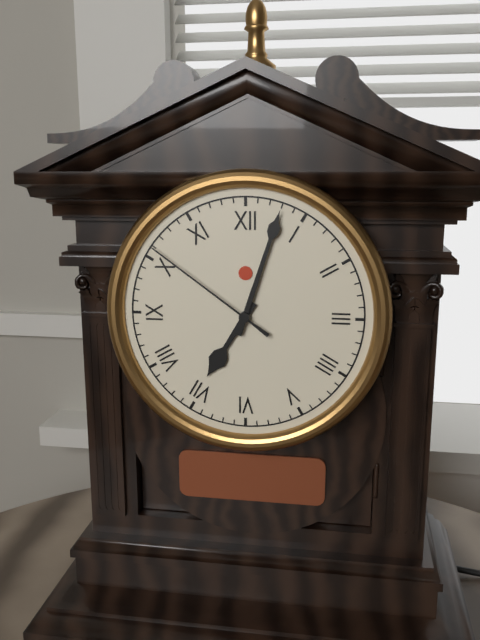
7:03:51
